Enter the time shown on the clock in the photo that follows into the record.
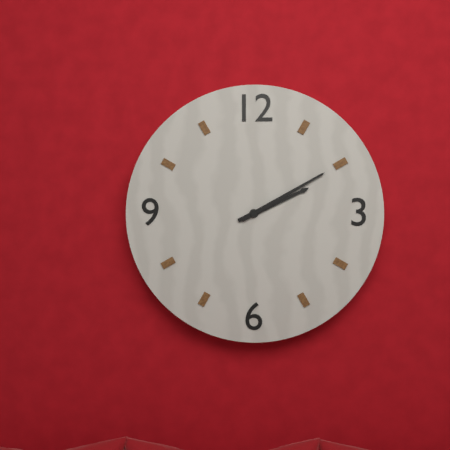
2:10
